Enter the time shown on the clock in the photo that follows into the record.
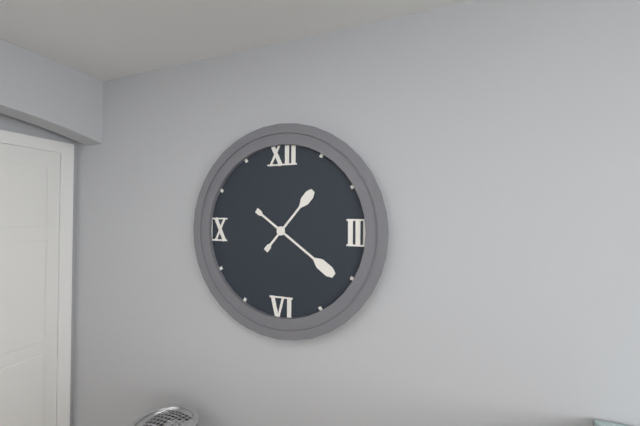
1:21
